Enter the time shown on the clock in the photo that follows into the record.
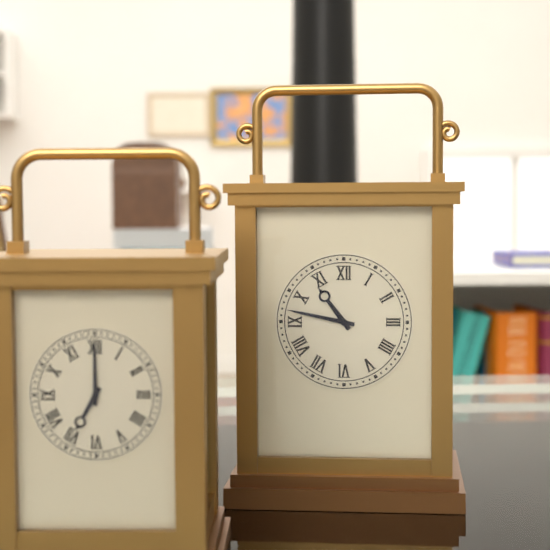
10:47
